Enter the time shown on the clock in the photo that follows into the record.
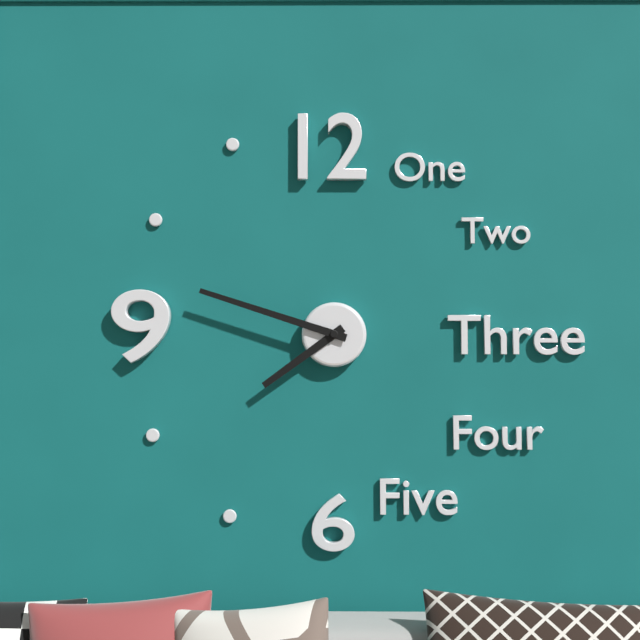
7:48
